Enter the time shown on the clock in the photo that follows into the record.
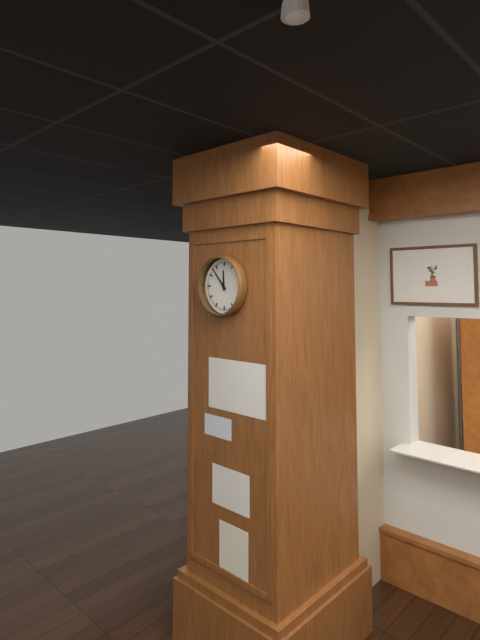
11:53
